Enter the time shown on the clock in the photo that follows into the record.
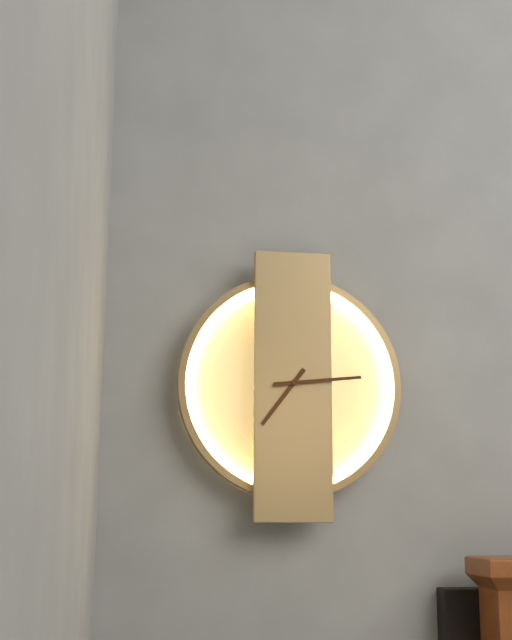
7:14
